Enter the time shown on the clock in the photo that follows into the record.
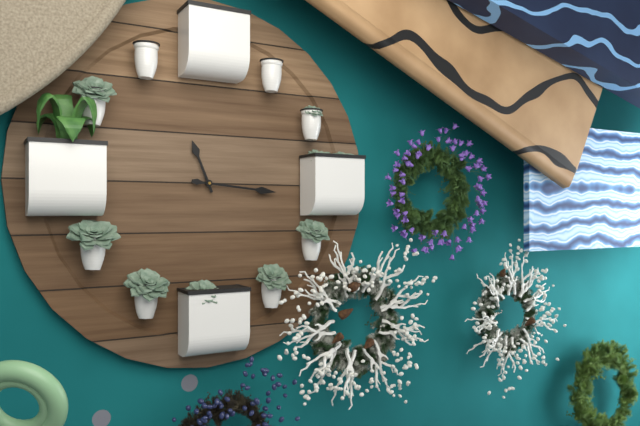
11:16
